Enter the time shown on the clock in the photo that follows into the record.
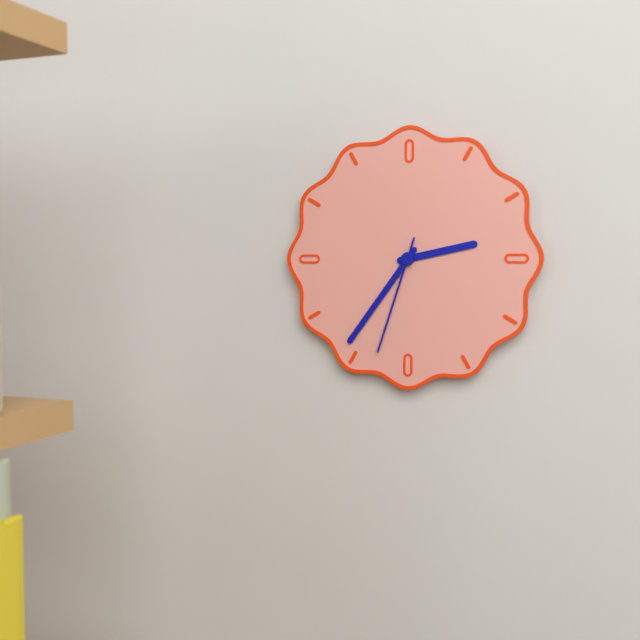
2:36:33
